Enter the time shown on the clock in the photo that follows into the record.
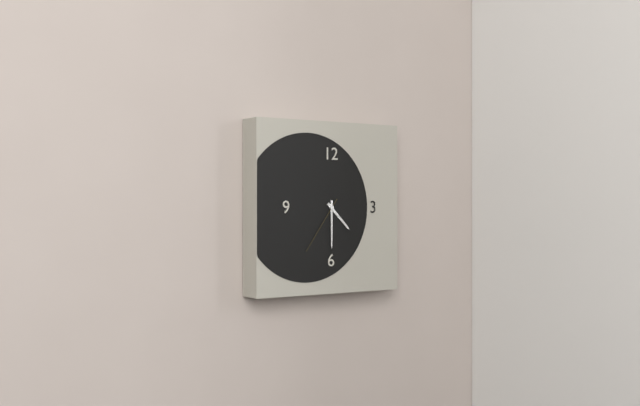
4:30:36
